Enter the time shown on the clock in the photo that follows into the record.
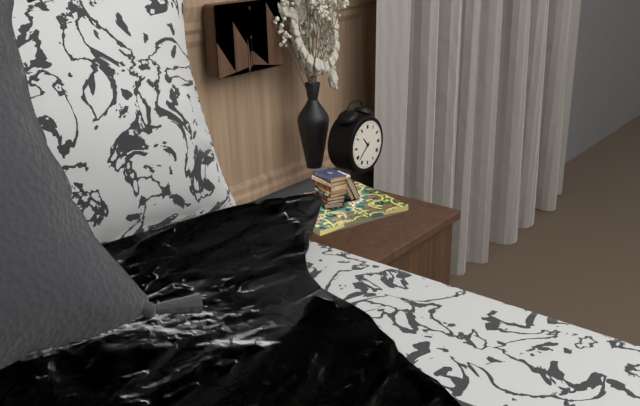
10:38
